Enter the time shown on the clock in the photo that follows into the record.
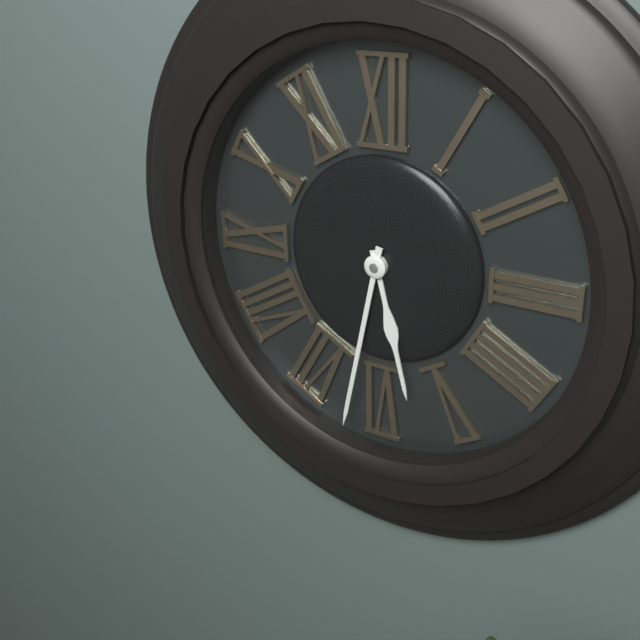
5:32
